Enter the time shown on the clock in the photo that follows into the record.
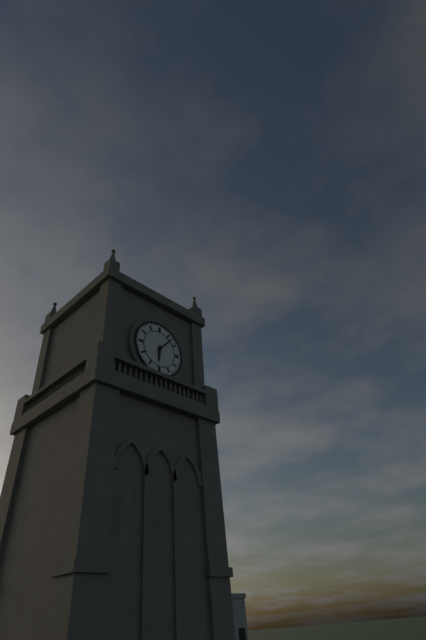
6:07
